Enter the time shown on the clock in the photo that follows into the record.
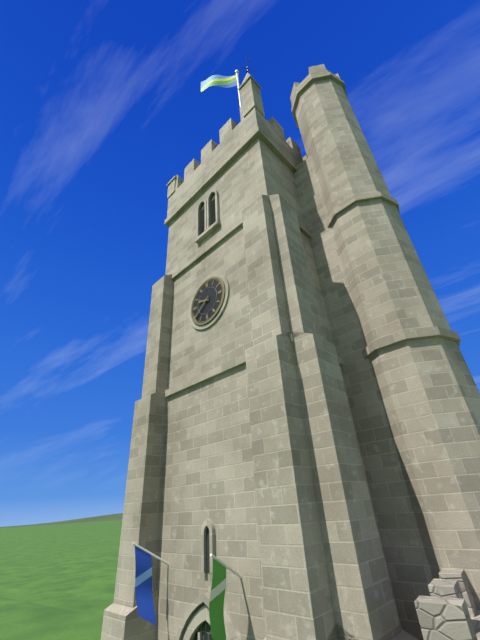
9:39
